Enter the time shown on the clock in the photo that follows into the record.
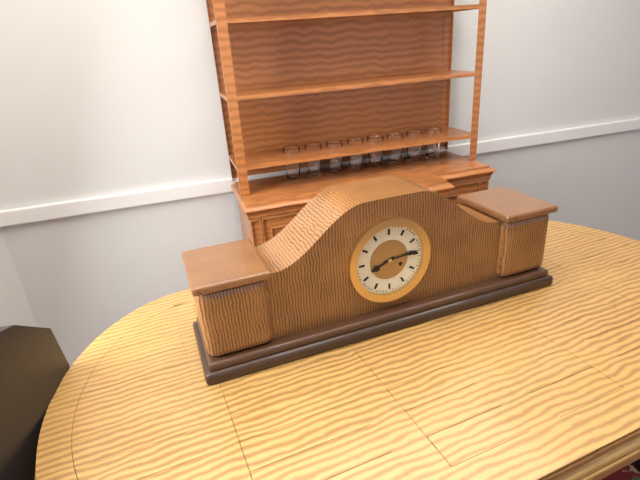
8:14
